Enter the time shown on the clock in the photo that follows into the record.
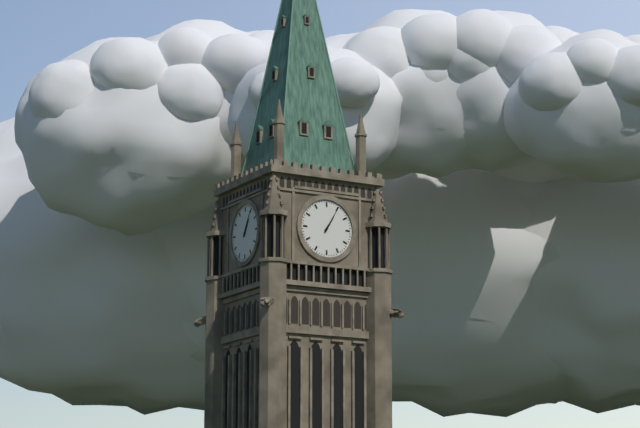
1:05
